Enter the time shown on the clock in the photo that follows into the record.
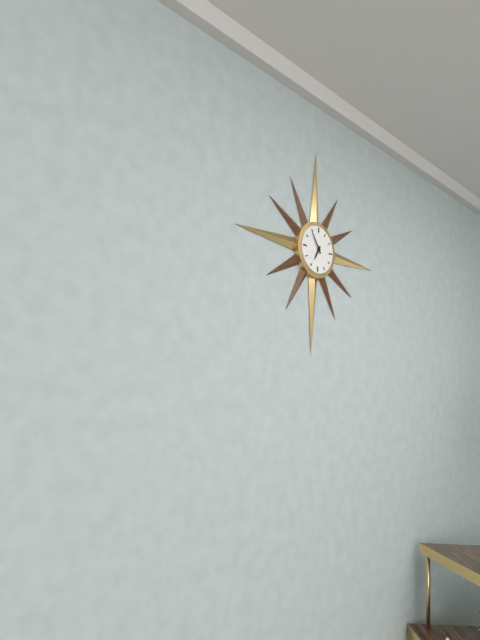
6:54
